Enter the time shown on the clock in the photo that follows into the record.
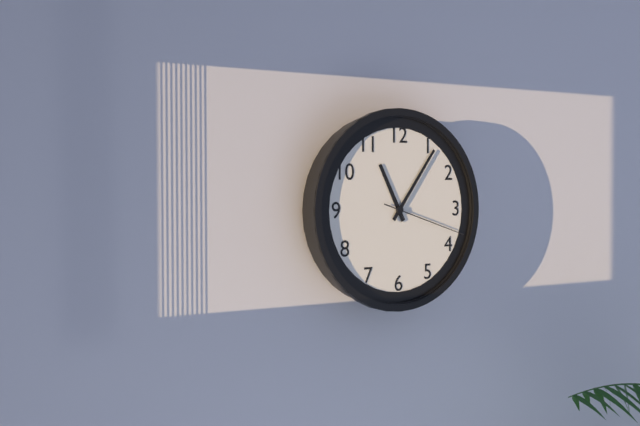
11:06:18
